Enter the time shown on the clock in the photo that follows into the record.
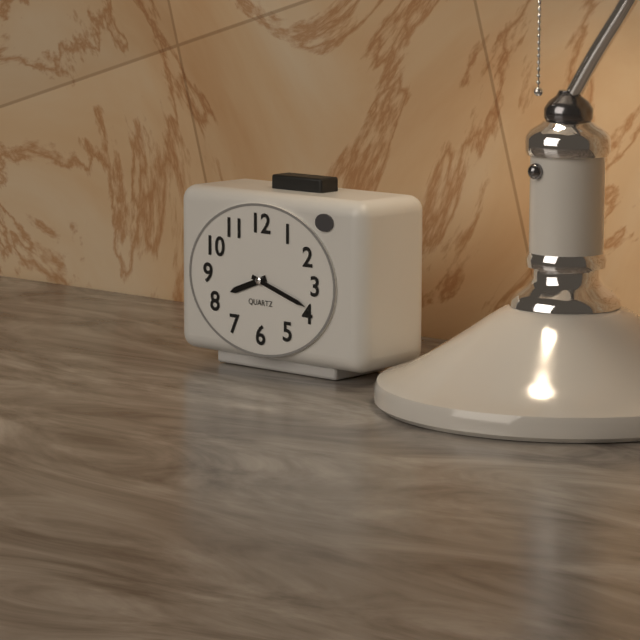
8:18
